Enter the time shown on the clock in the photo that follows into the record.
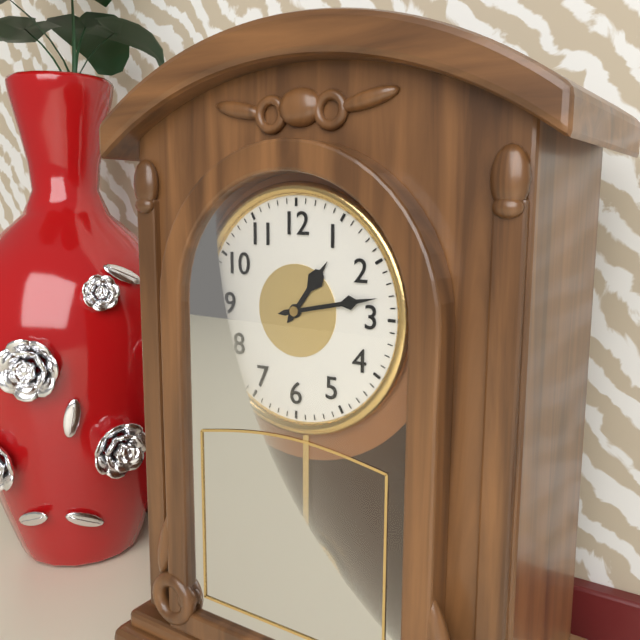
1:13
